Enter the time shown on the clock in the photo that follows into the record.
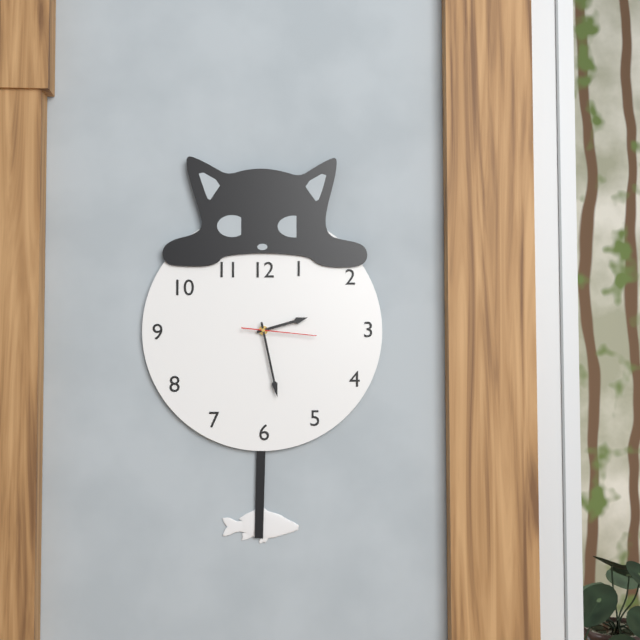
2:28:16
